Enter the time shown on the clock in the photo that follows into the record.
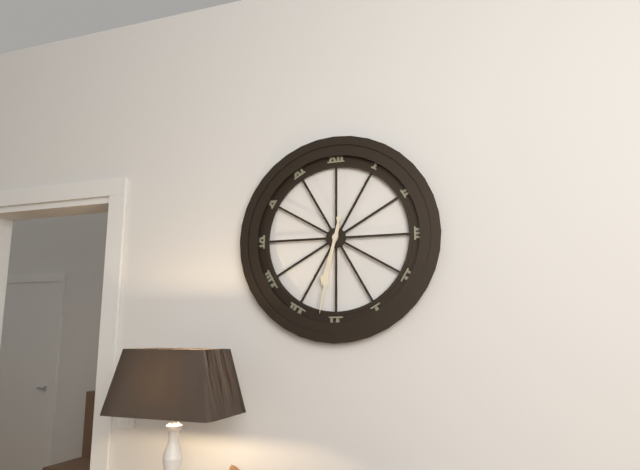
6:32
